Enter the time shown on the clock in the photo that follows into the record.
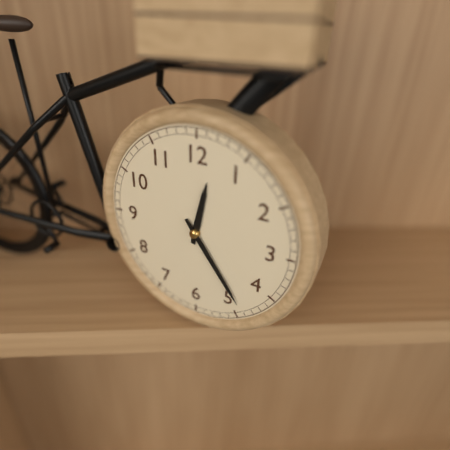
12:24
